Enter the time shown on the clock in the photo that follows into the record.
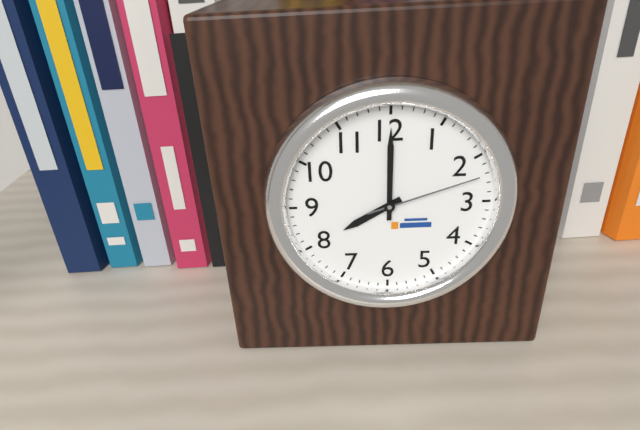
8:00:12
